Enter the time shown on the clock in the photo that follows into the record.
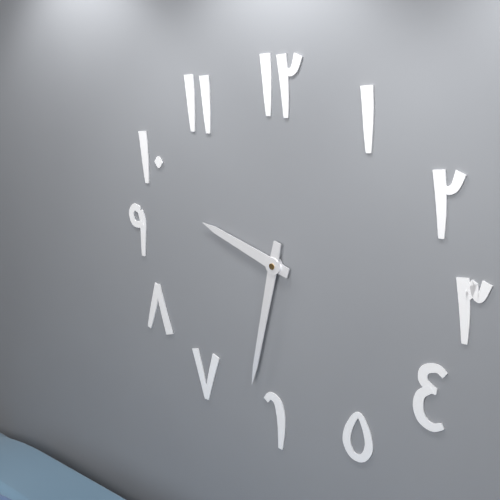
9:32
